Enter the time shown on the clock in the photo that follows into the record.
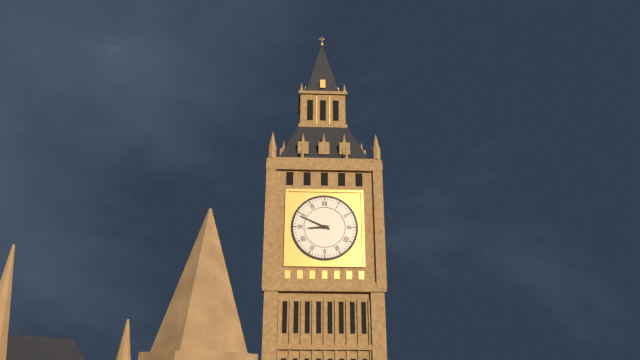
8:49
